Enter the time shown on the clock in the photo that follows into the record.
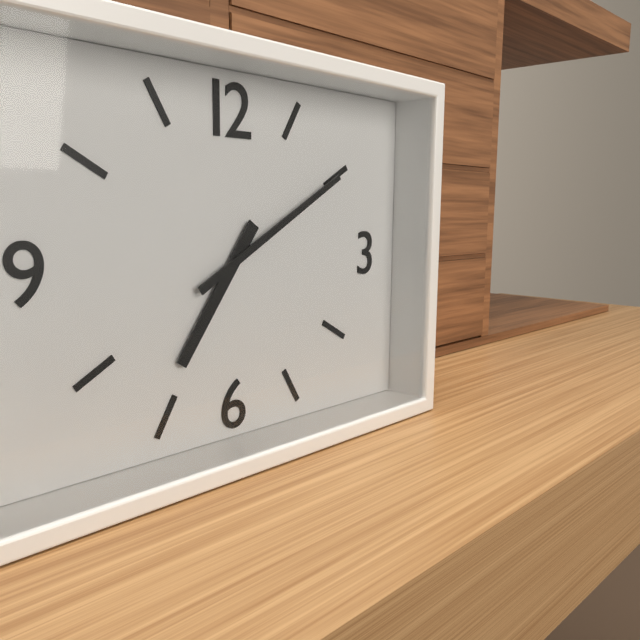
7:10
